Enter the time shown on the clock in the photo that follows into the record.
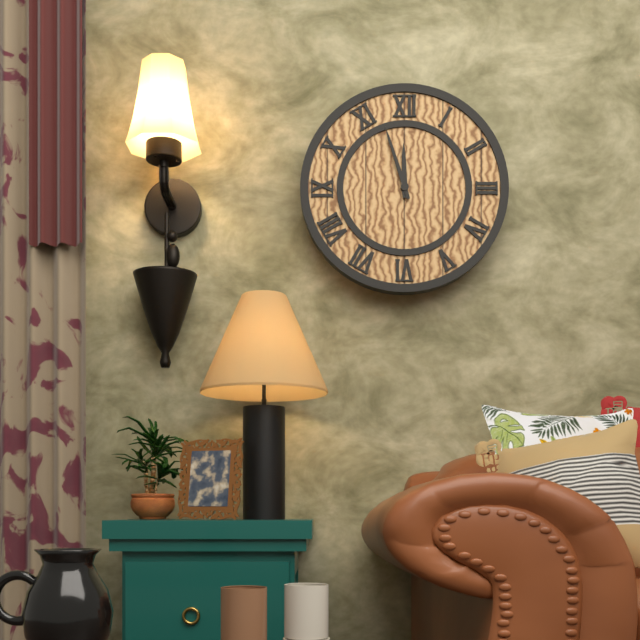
11:57
